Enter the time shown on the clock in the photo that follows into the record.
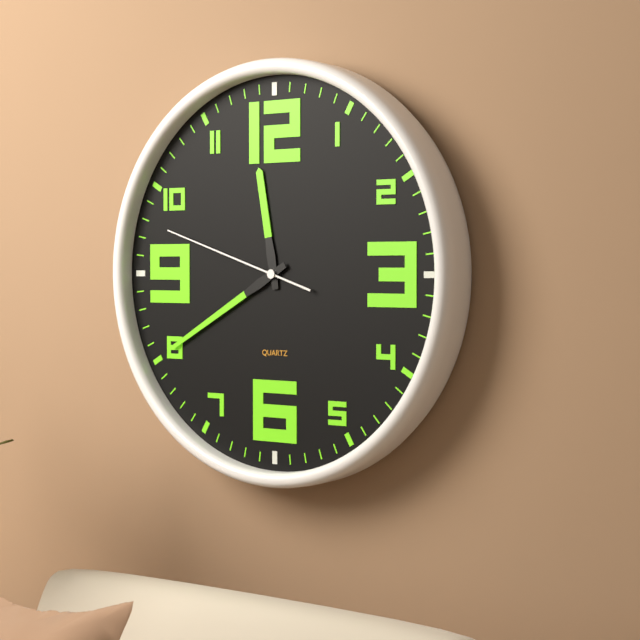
11:40:48
